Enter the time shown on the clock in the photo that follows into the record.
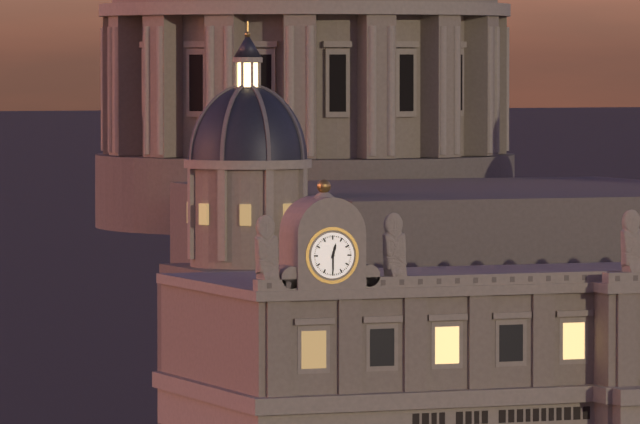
12:30
